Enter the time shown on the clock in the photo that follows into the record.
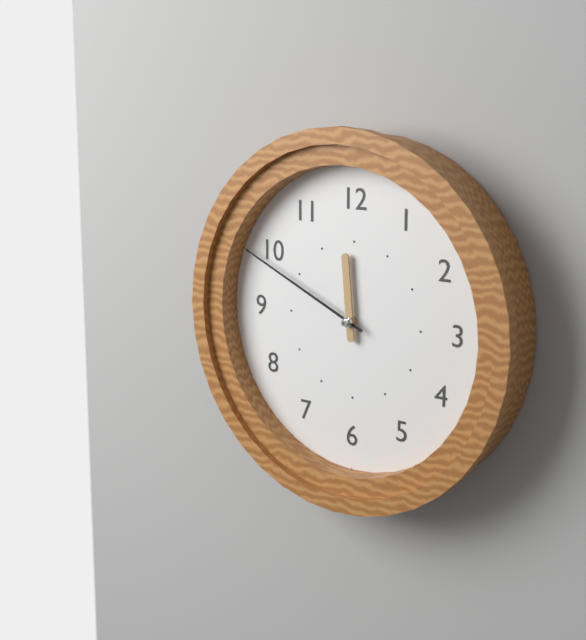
11:49
